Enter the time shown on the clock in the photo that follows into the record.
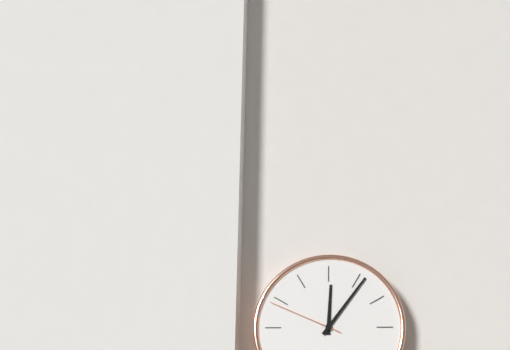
12:06:49
